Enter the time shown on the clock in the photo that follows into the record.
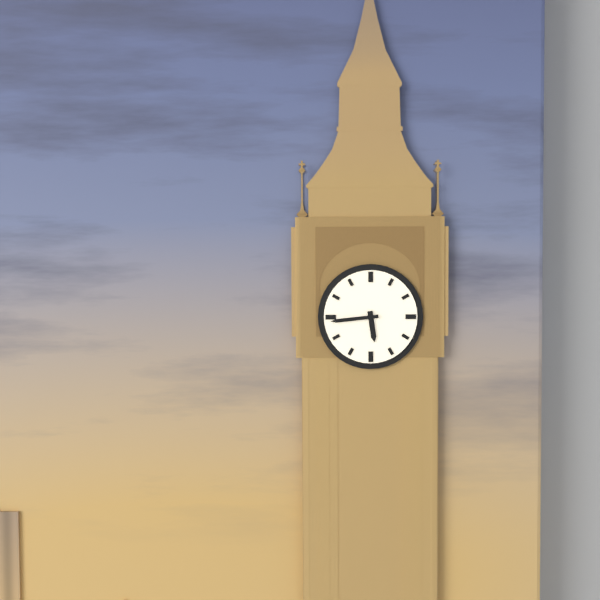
5:44
